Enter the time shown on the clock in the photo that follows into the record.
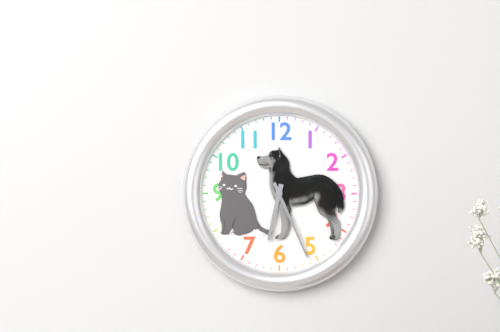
6:26
